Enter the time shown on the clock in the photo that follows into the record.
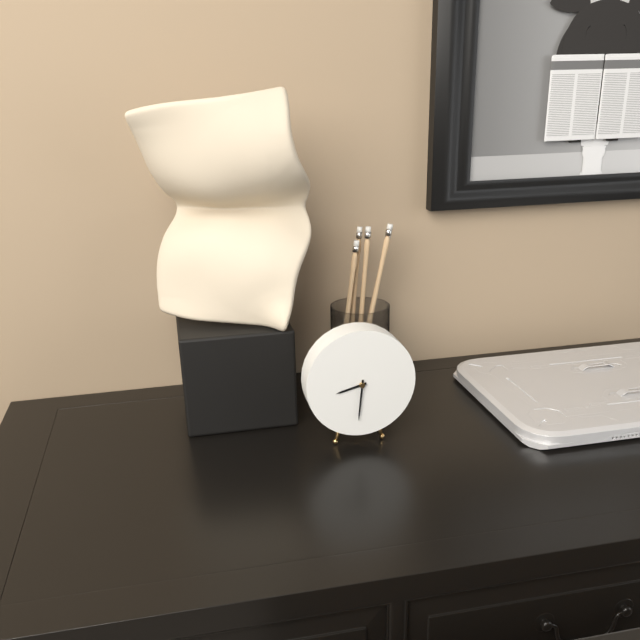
8:31
